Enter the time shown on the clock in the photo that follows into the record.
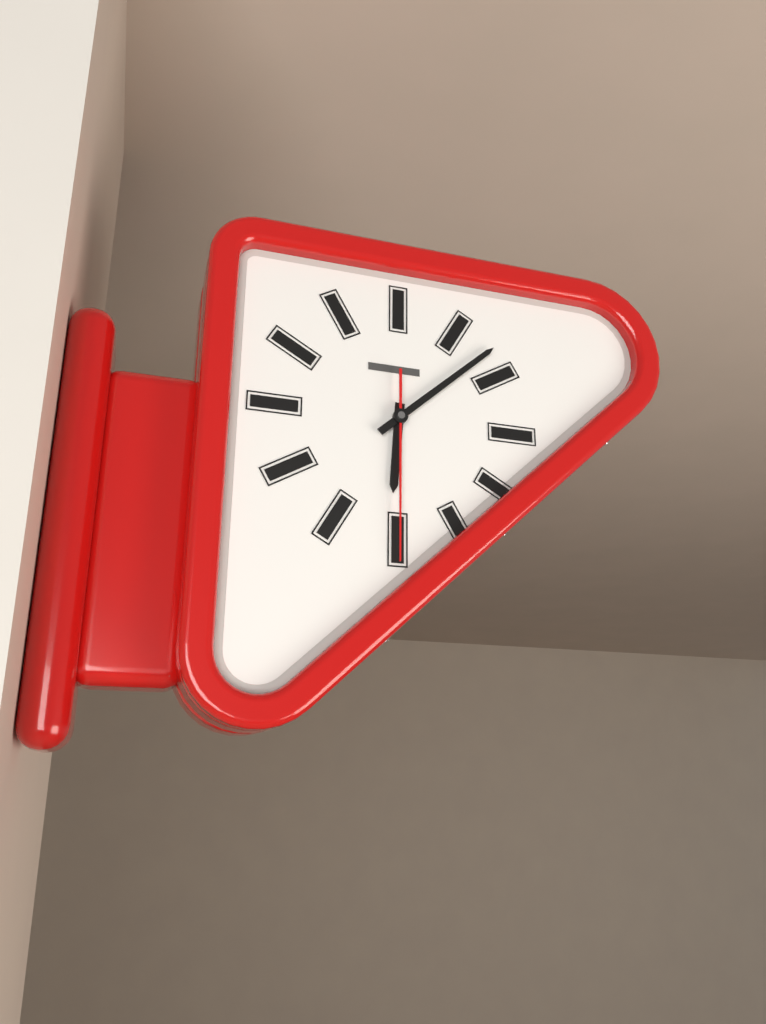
6:08:30
